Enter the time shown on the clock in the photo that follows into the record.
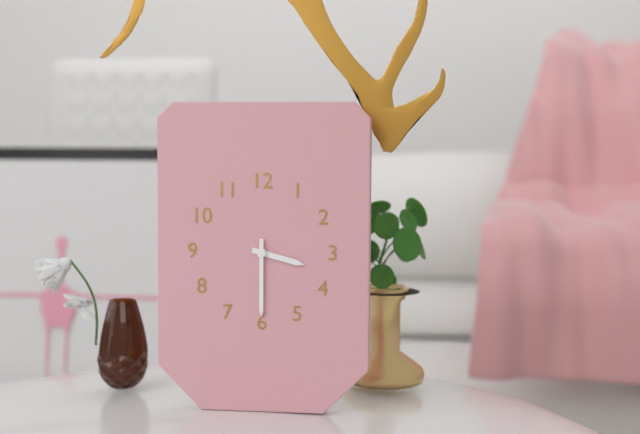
3:30
